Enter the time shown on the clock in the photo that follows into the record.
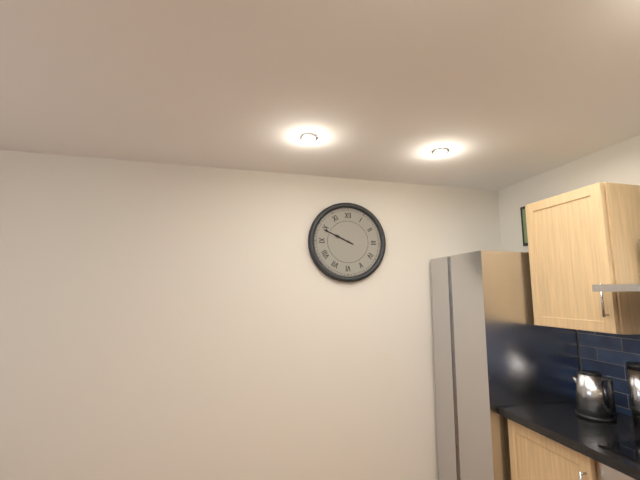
9:49
